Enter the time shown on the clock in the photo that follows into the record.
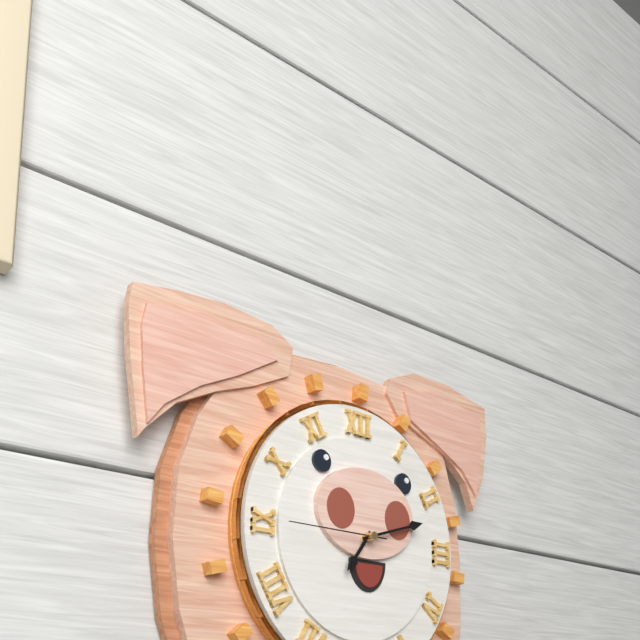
7:12:45
